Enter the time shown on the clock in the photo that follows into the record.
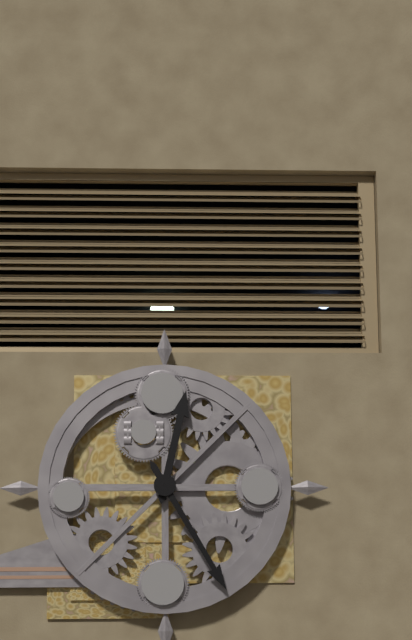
12:25
